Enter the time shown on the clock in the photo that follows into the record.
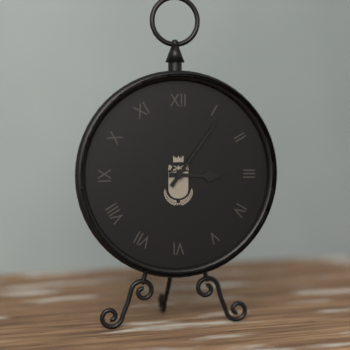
3:06
